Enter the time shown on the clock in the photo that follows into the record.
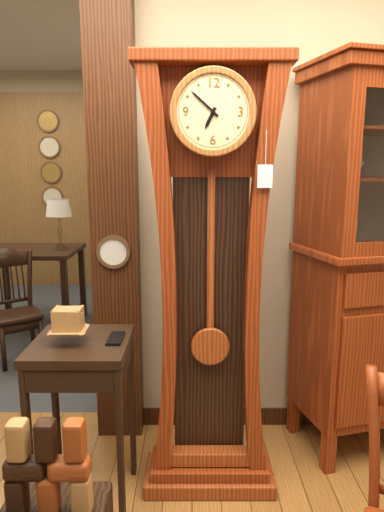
6:52
